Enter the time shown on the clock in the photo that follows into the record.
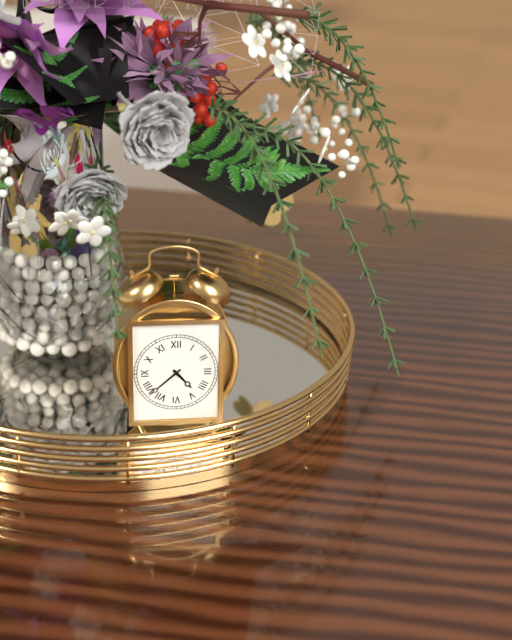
4:38
